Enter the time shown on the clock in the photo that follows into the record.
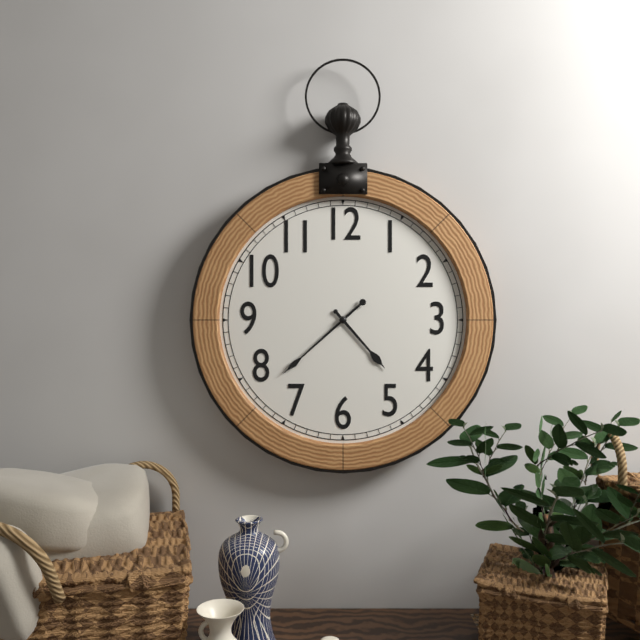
4:38
